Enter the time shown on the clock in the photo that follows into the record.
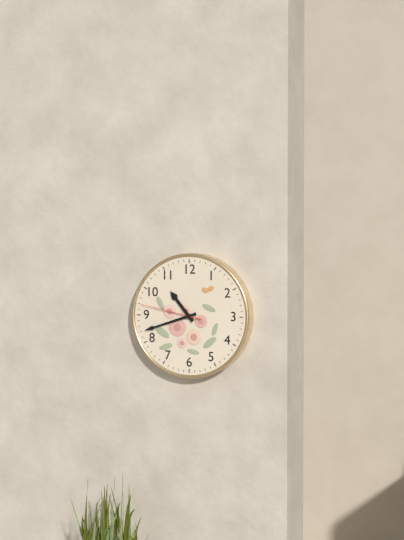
10:42:47
